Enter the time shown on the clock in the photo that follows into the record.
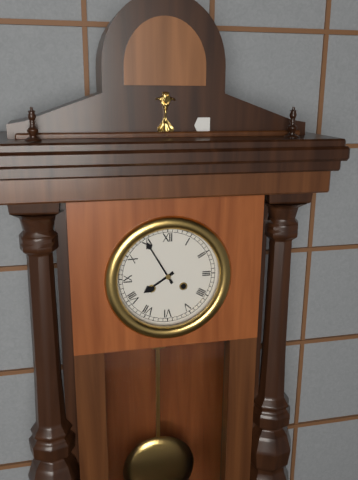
7:55
